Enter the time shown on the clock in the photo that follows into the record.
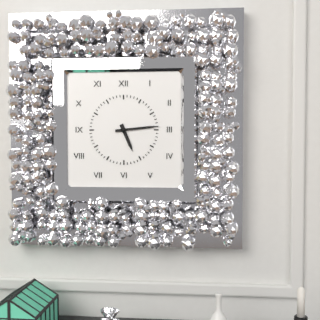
5:14
